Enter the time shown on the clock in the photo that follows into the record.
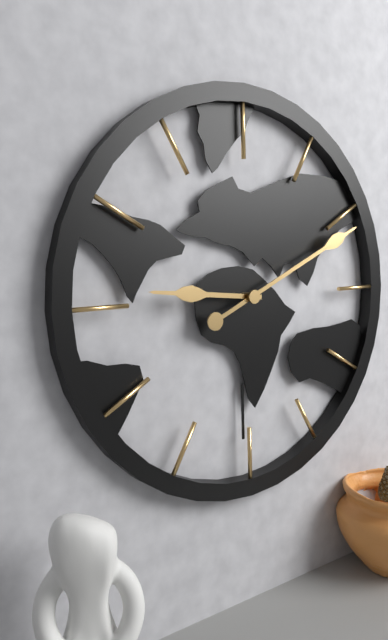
9:11
